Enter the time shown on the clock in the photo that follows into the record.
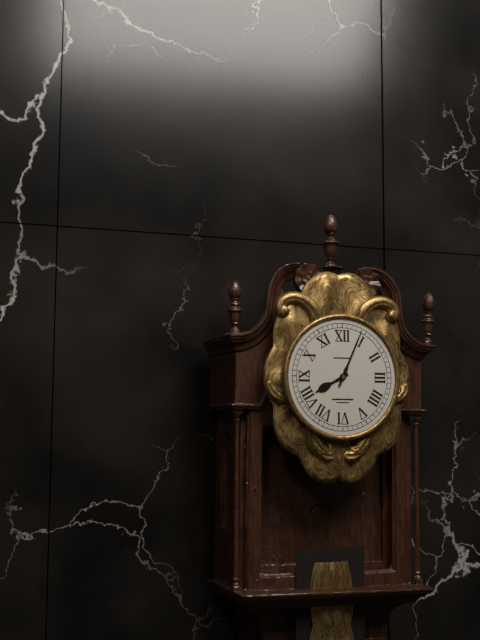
8:04
